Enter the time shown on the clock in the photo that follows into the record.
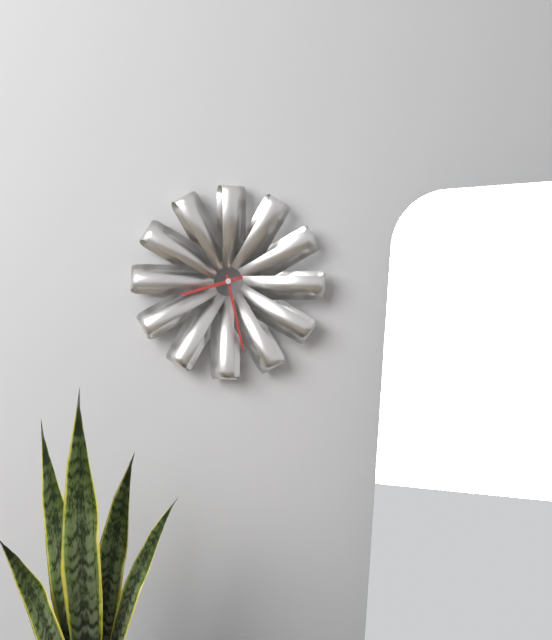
8:28
